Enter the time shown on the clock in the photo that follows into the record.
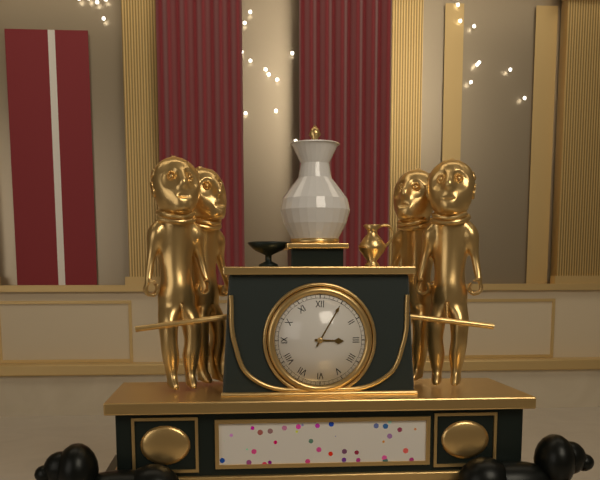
3:05
